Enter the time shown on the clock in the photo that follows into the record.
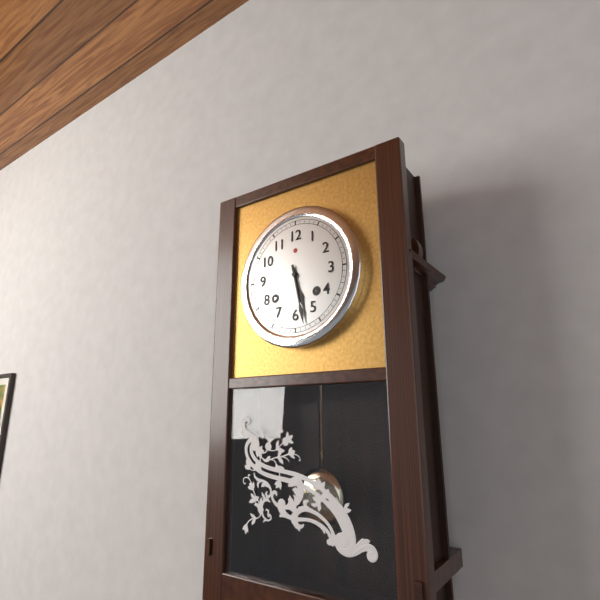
5:28
